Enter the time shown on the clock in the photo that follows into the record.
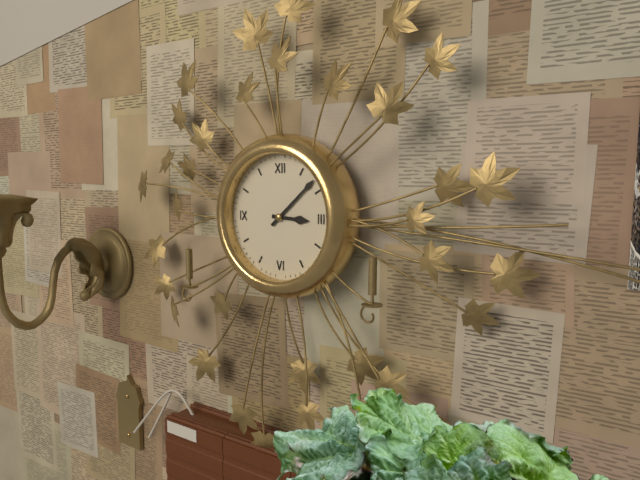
3:08
